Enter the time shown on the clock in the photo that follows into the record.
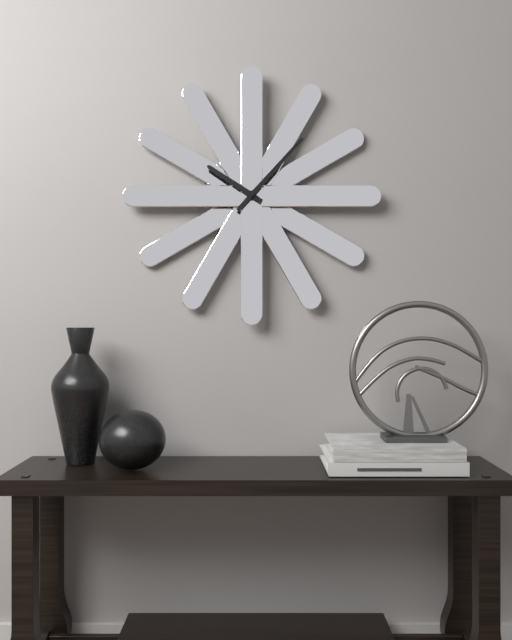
10:07
